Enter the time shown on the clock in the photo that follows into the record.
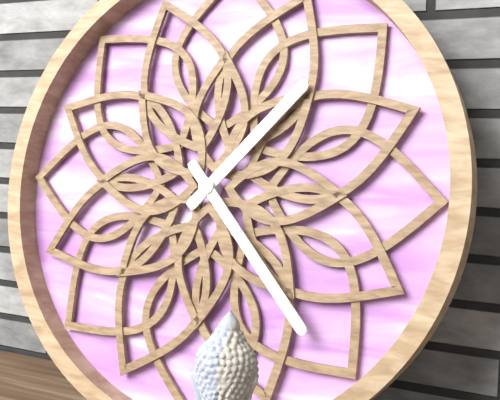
1:23
